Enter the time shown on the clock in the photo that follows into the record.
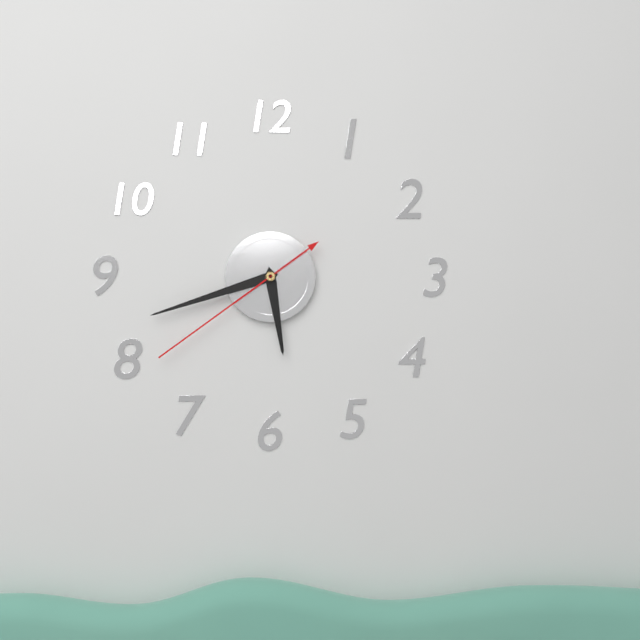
5:42:39
